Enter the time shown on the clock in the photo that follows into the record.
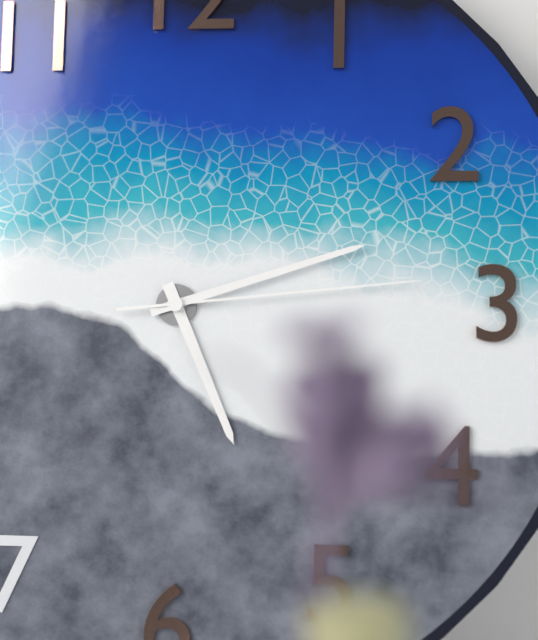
5:12:14
